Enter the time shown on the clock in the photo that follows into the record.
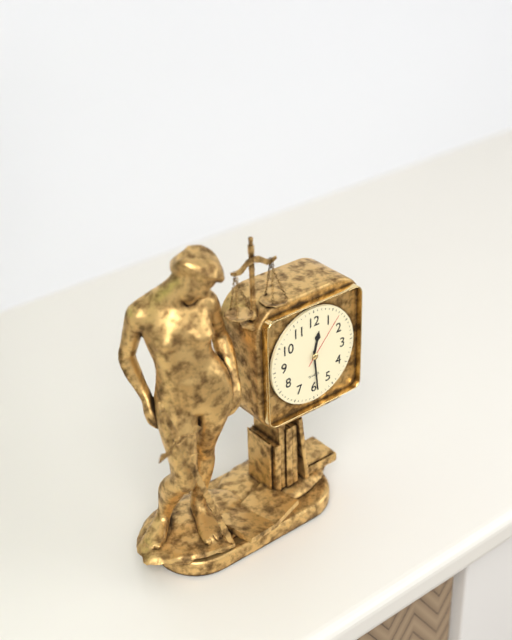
12:29:07
